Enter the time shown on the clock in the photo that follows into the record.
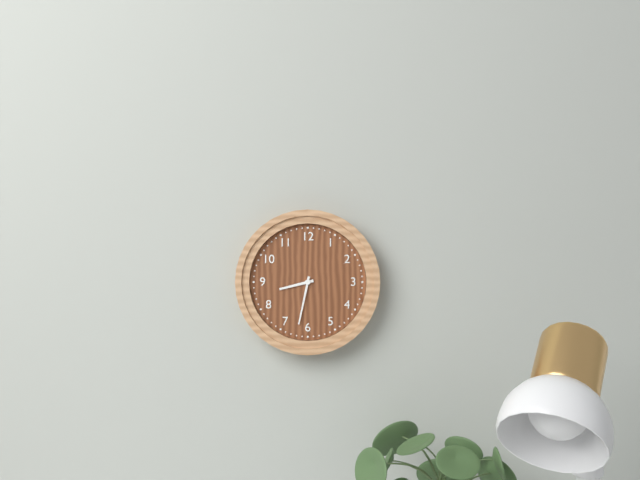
8:32
